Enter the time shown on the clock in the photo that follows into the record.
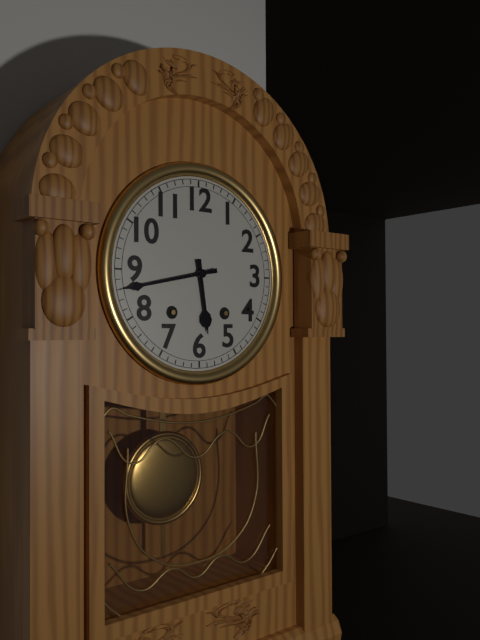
5:43
